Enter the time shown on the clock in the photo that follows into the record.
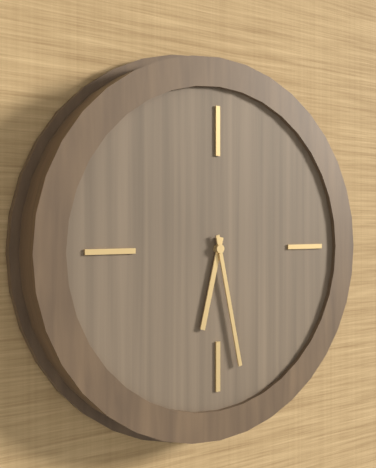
6:28
